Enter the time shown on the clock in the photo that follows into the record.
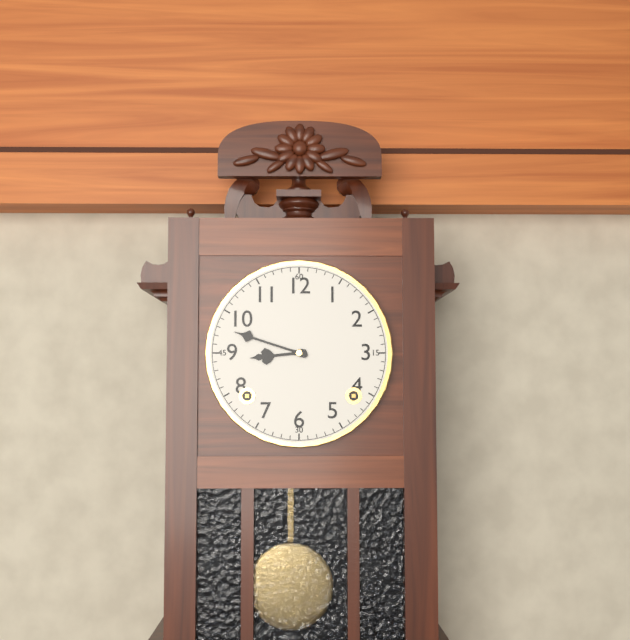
8:48
